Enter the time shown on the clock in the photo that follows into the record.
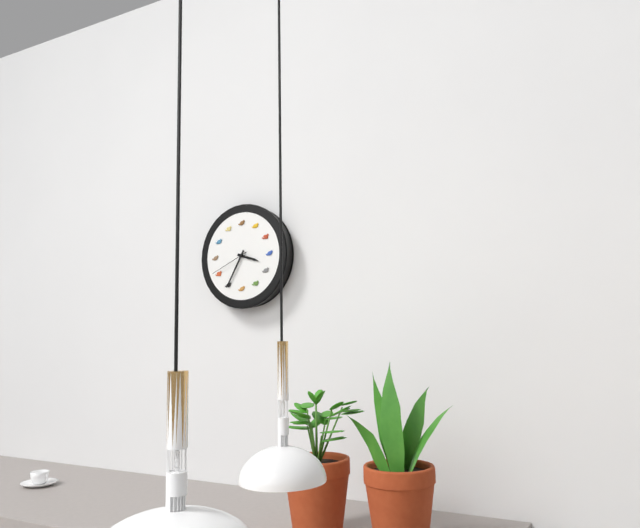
3:35
